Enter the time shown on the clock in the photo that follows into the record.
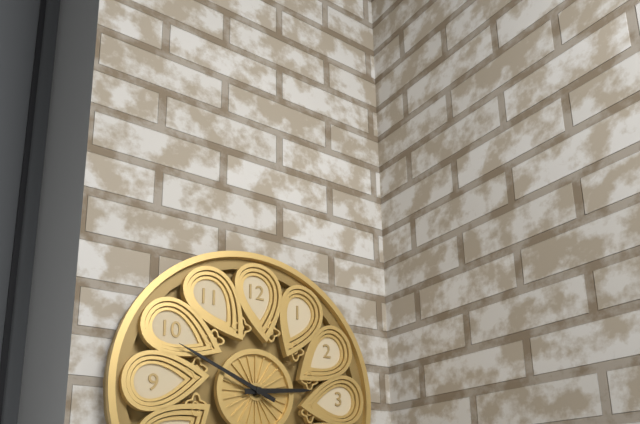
2:49
